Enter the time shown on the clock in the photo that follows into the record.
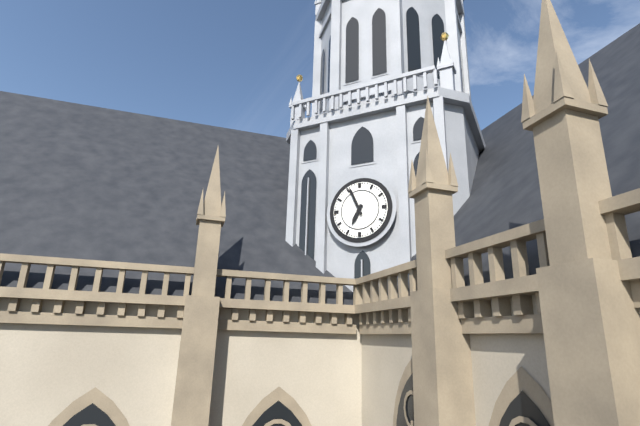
6:56
